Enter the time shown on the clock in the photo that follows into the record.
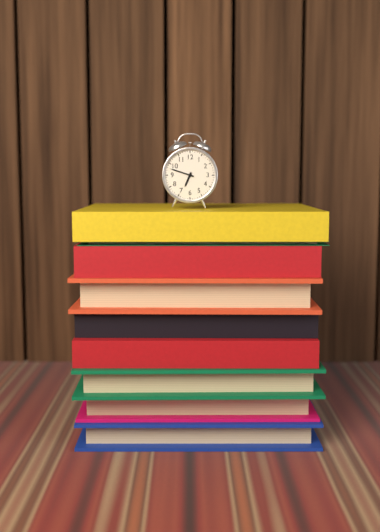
6:48
